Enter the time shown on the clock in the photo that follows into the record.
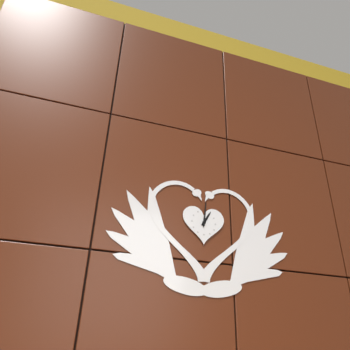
1:01
